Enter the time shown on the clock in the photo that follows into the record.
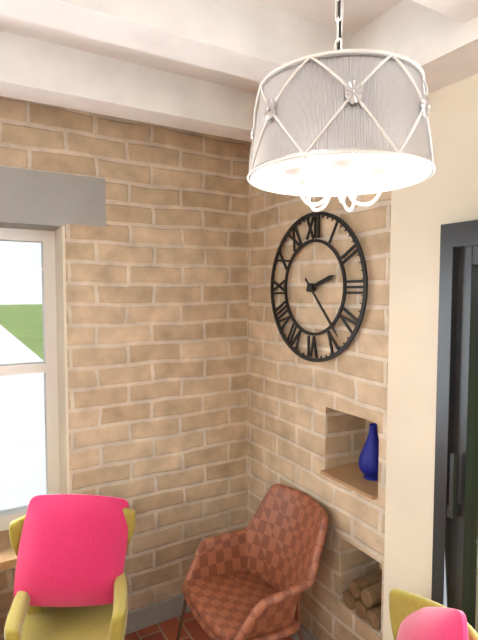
2:23
